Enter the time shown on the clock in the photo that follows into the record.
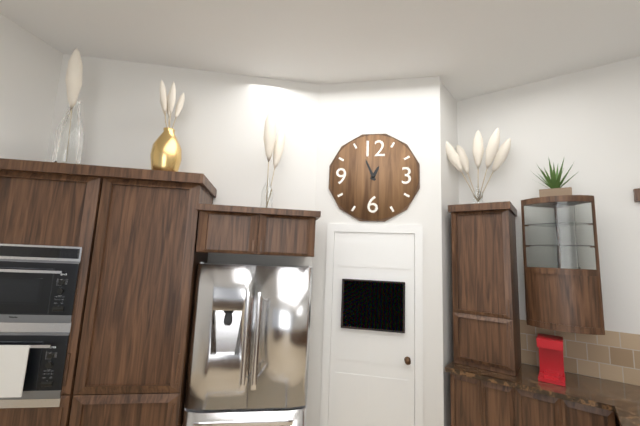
12:56
